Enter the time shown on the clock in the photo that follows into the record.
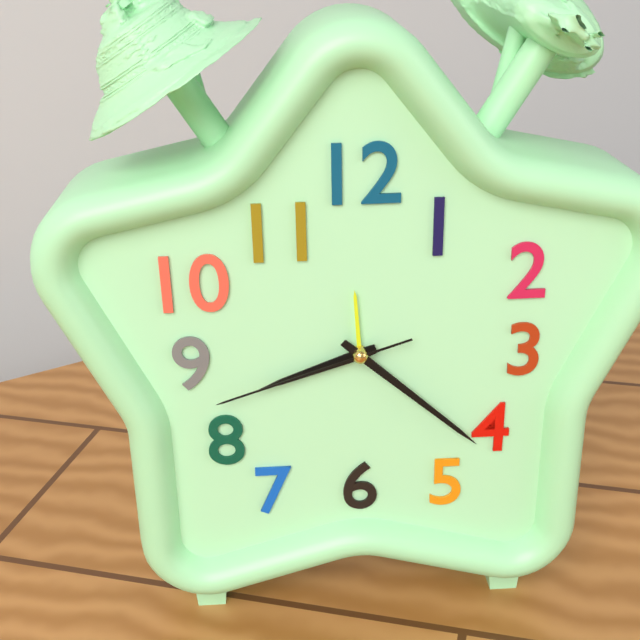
8:22:42
